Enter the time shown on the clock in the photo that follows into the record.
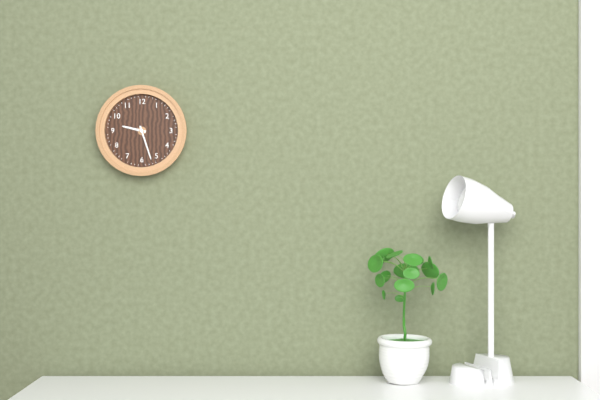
9:27
